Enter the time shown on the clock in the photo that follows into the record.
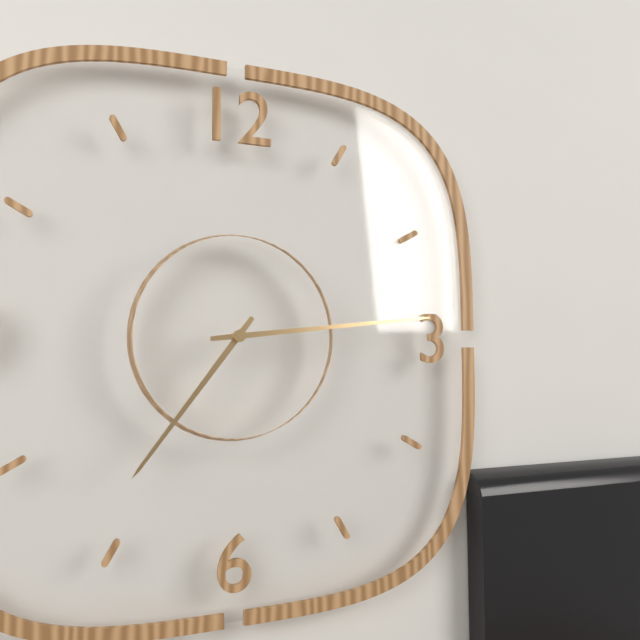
7:14
